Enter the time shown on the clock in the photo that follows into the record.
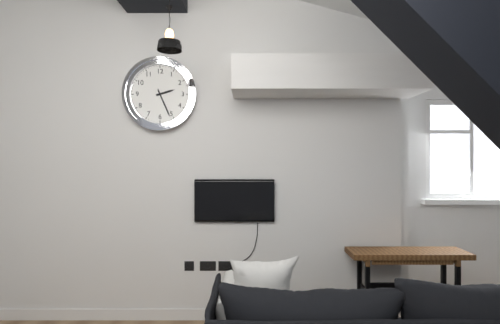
2:26
